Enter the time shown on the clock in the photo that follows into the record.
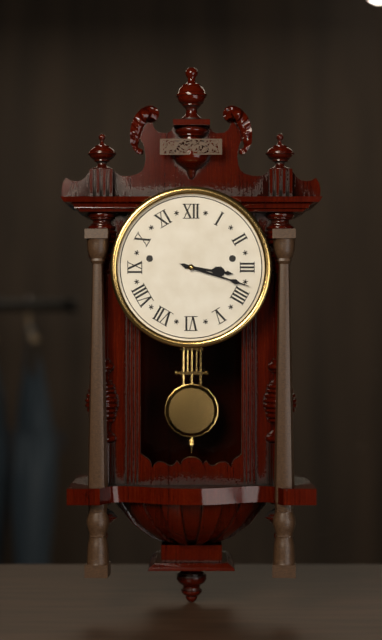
3:18
